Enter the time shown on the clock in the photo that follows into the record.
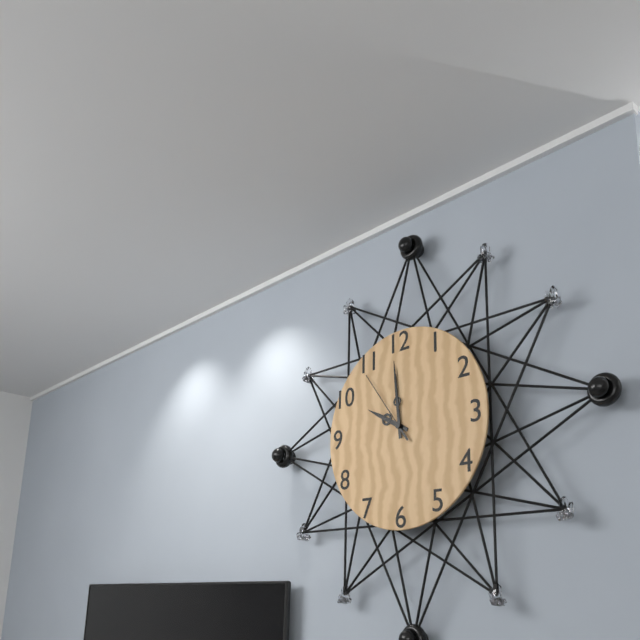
9:59:54
